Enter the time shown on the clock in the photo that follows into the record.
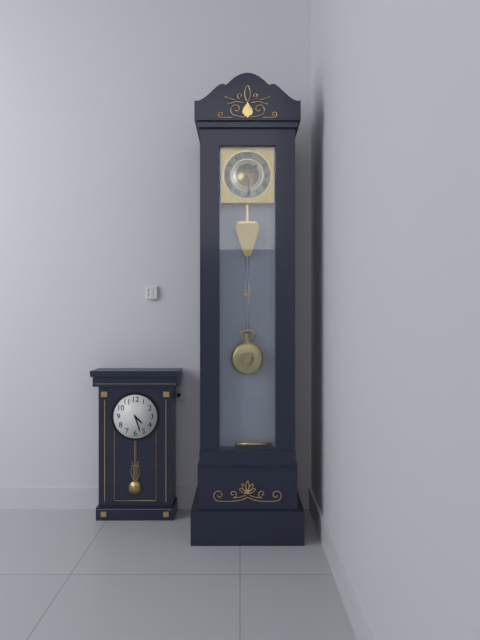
1:29
